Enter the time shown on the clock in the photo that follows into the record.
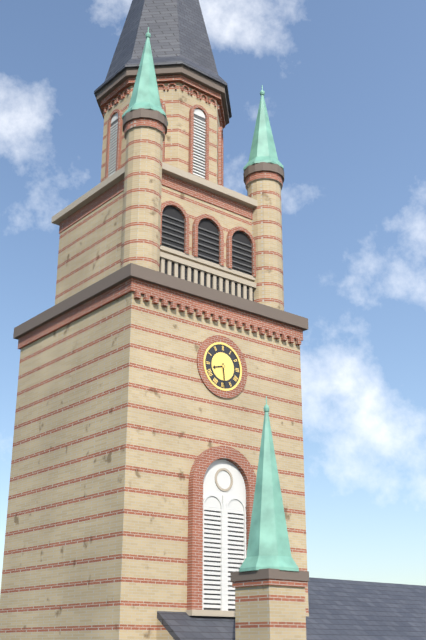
8:29
